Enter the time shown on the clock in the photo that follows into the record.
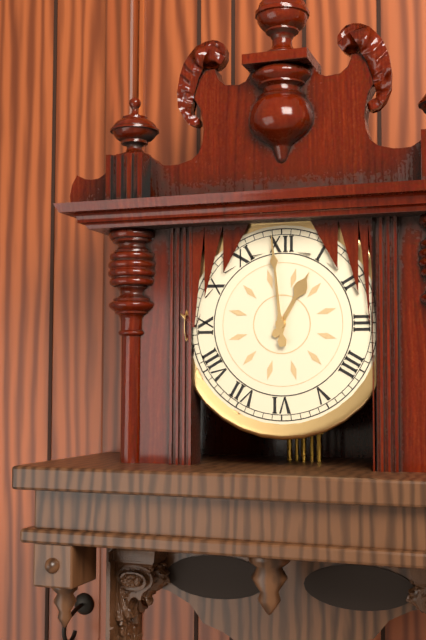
12:59
